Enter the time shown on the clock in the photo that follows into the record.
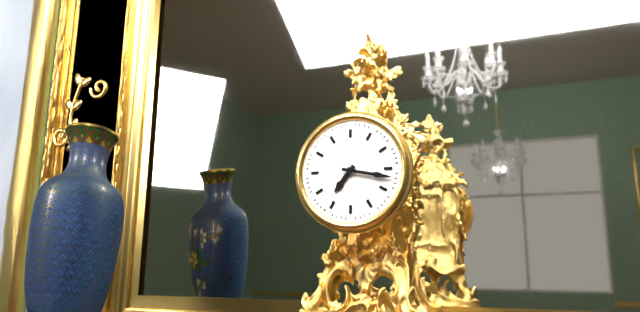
7:17
